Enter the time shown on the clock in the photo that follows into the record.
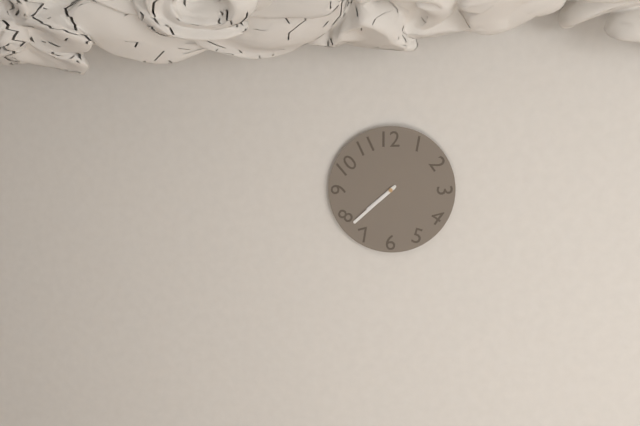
7:38
